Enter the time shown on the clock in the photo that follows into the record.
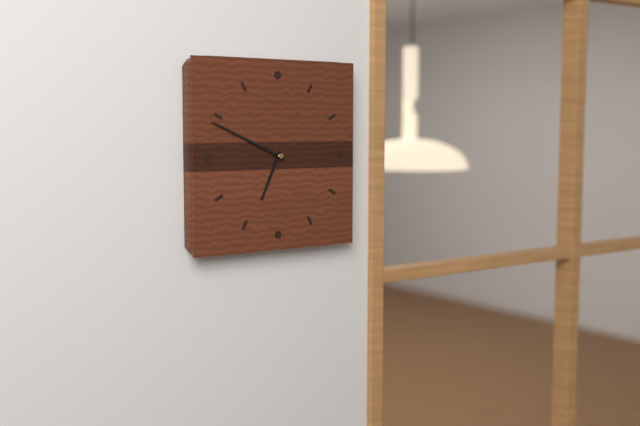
6:49
